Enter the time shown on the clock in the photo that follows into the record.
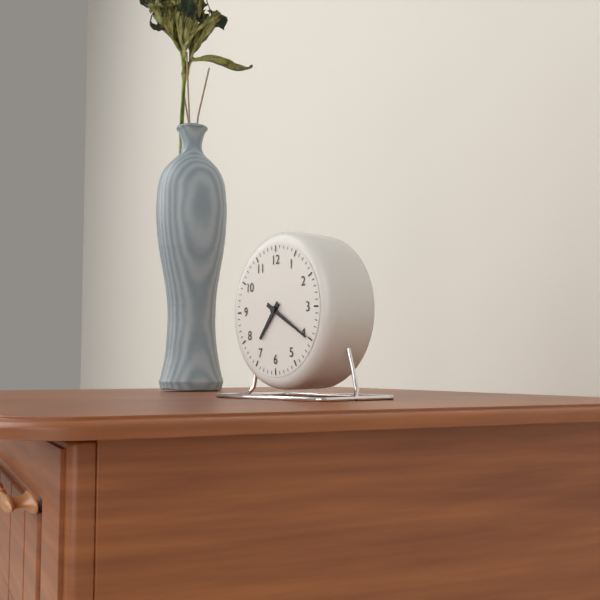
7:20
